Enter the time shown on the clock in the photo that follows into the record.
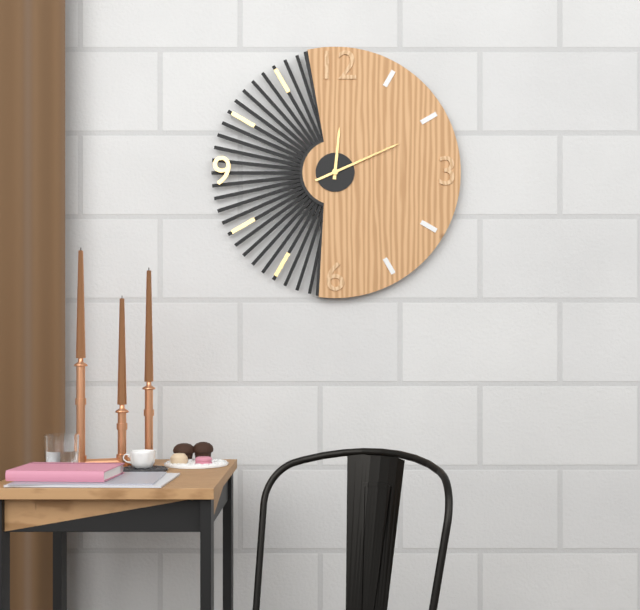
12:11
